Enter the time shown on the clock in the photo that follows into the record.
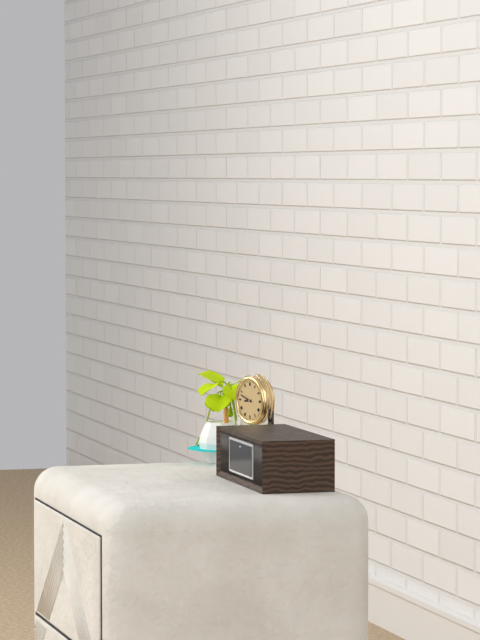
8:48
